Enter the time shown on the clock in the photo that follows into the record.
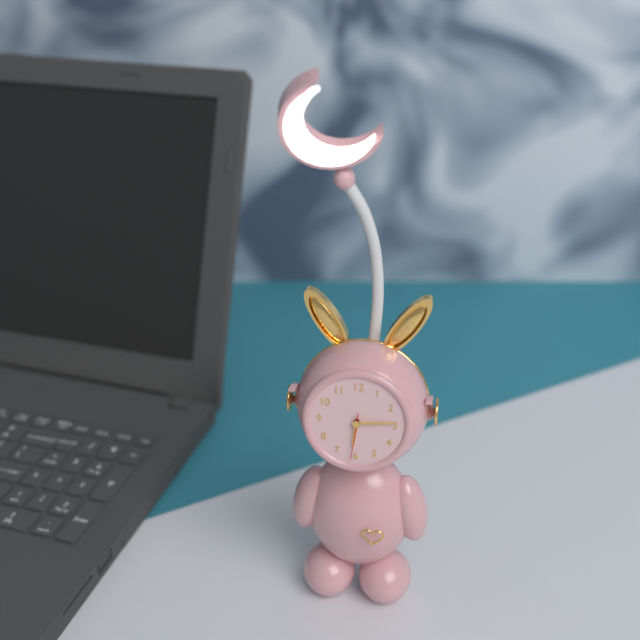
6:14
